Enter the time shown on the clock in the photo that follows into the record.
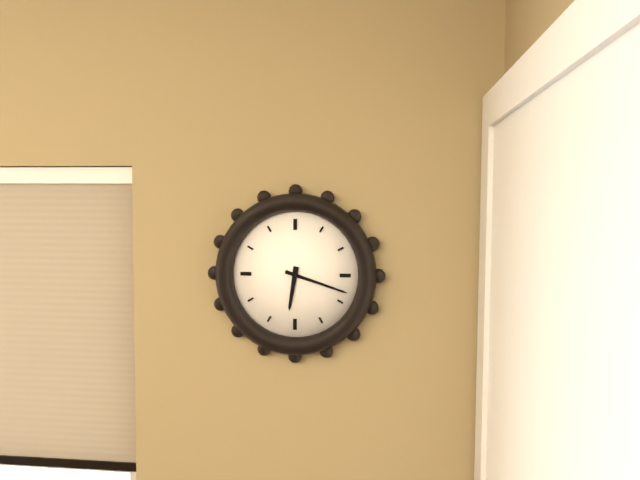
6:18
